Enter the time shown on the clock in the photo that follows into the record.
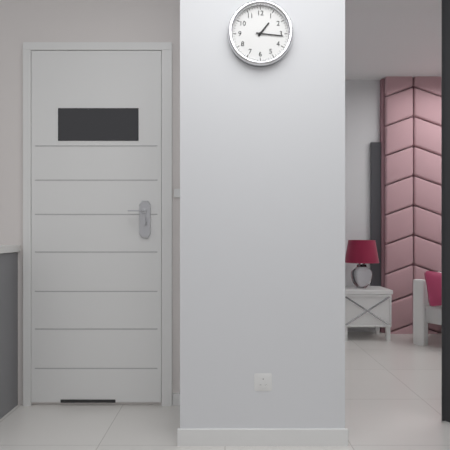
1:16
